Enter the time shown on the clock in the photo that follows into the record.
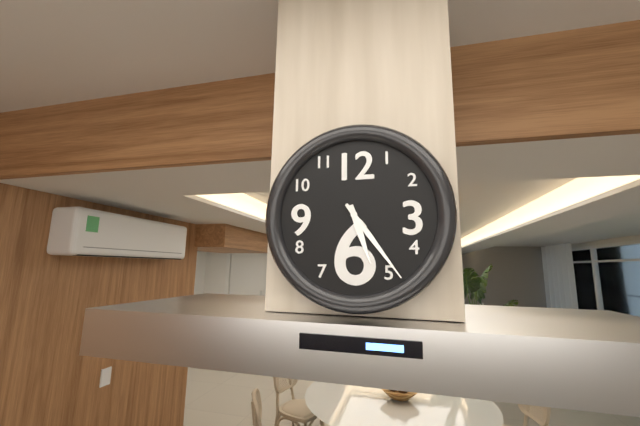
5:24
